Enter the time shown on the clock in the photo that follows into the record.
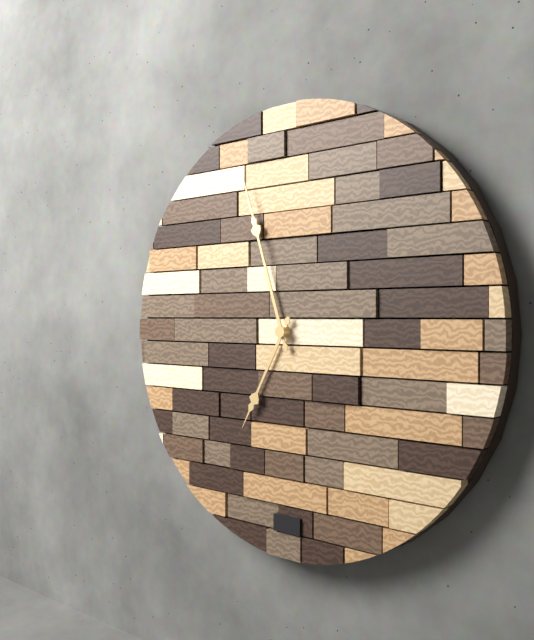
6:57
